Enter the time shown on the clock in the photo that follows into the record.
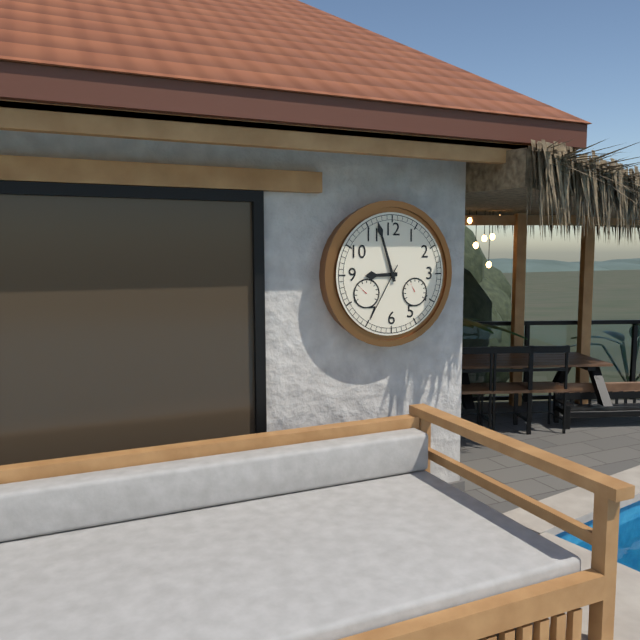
8:57:35
